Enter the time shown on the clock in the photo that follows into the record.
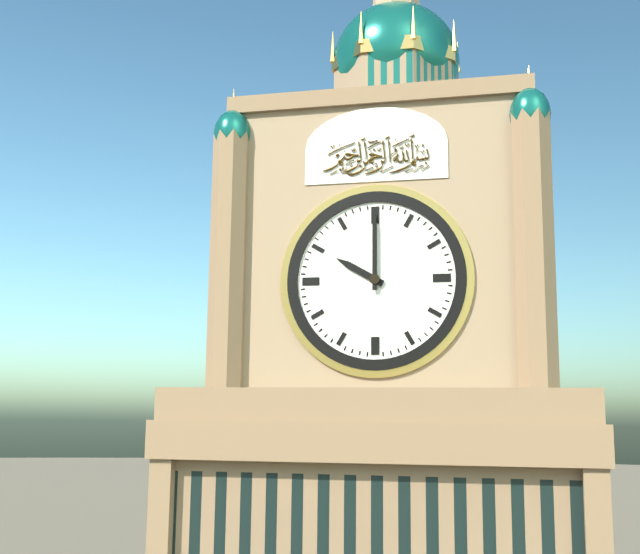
10:00
